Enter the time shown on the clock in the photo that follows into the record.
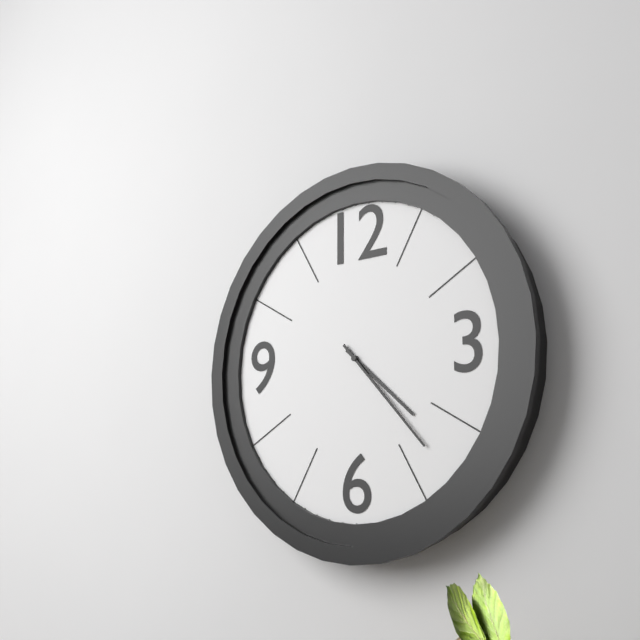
4:23
